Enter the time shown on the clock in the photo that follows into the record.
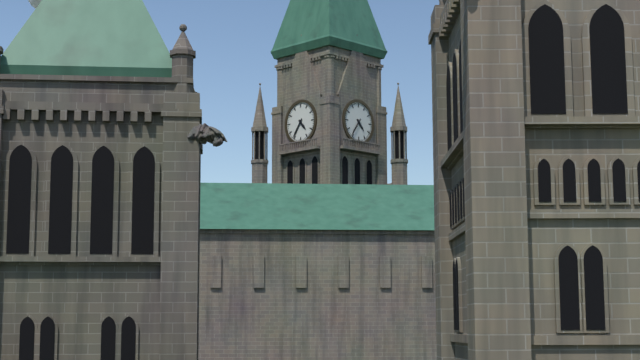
4:36
